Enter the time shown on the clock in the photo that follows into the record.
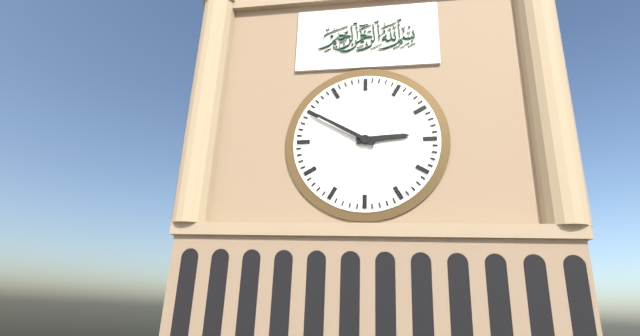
2:50
